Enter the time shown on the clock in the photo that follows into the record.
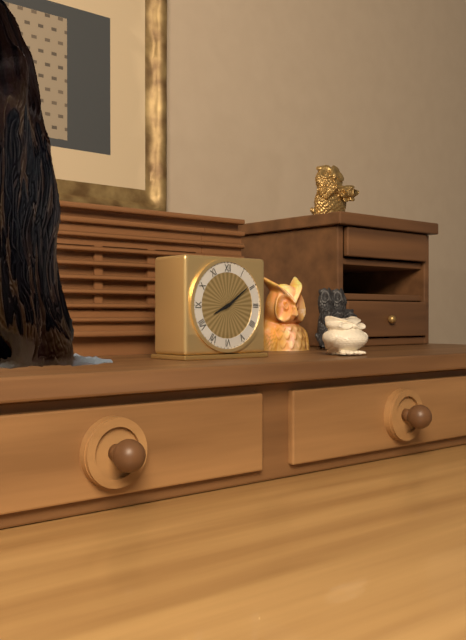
8:09
